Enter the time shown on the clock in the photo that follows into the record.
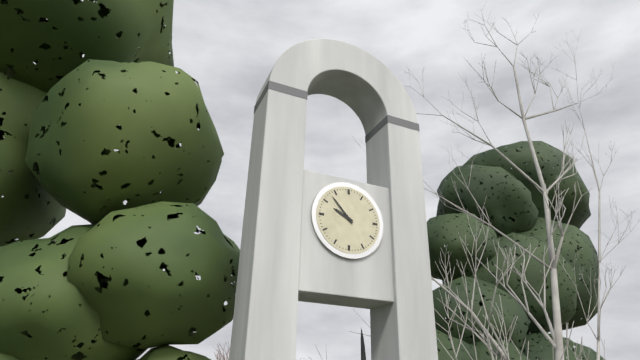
9:53
